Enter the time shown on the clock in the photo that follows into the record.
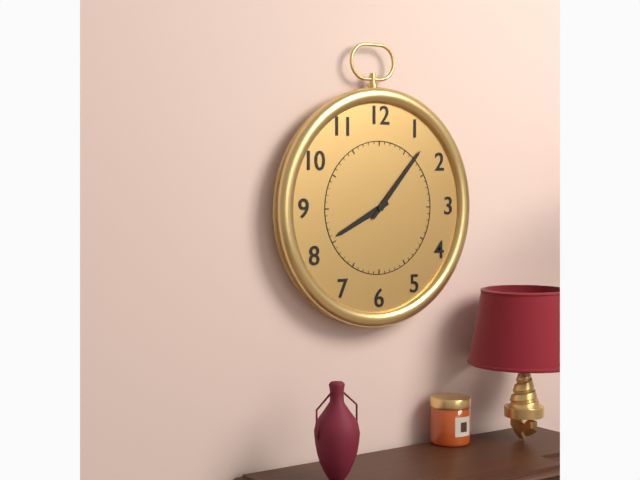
8:07
